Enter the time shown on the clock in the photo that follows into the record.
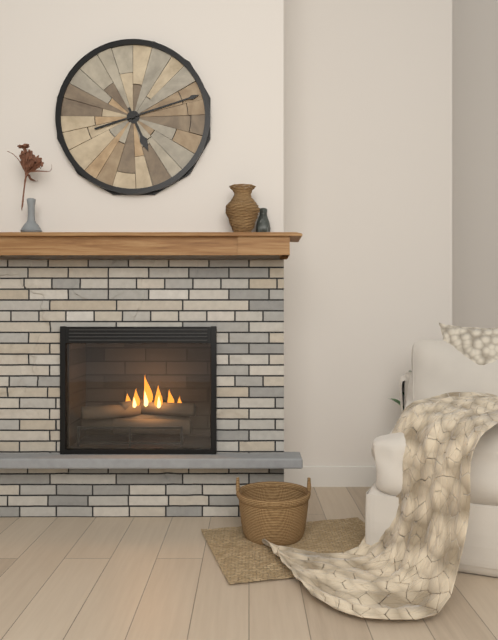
5:12
